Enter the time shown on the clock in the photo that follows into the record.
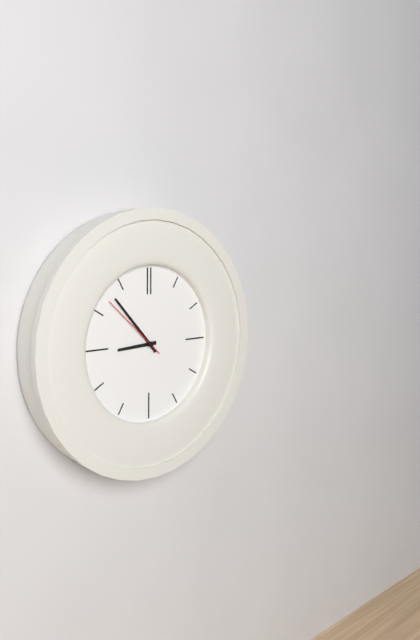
8:53:52
